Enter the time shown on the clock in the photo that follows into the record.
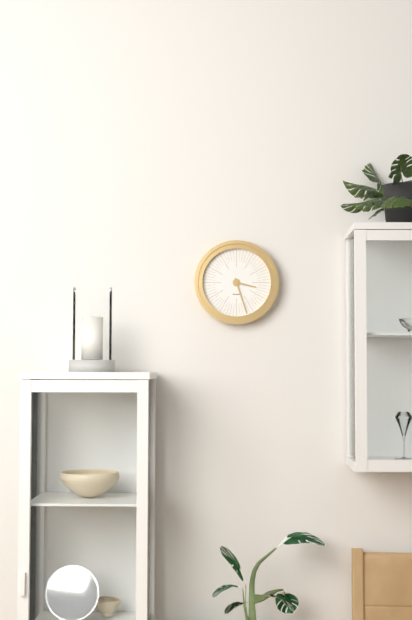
3:27
